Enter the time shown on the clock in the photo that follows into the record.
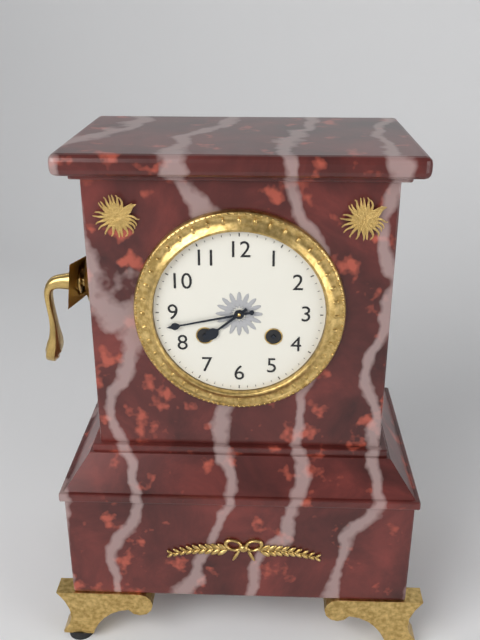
7:43
